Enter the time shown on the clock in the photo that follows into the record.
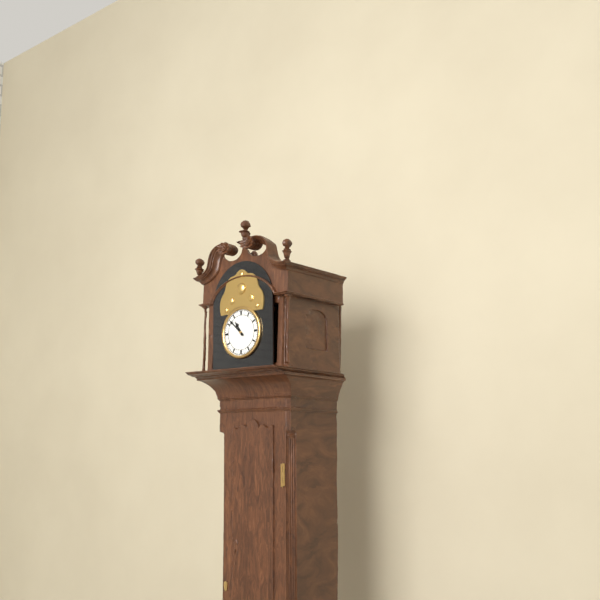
10:52
